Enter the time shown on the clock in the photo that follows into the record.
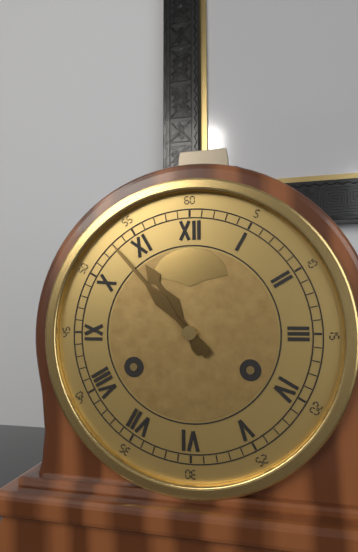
10:53
